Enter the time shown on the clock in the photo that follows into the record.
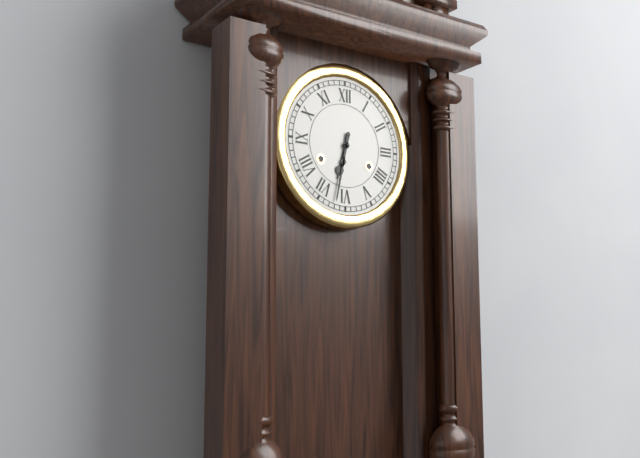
6:32
